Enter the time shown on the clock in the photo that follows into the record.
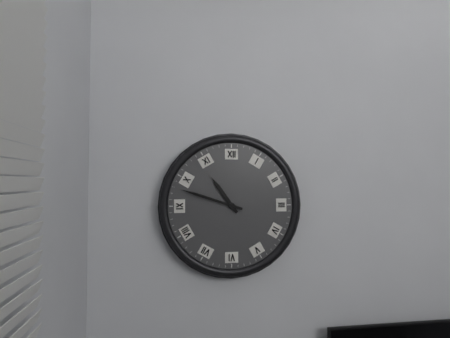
10:48
